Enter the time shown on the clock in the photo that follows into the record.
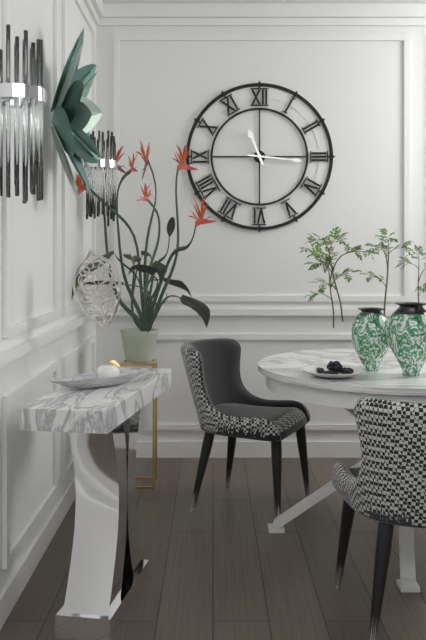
11:16
